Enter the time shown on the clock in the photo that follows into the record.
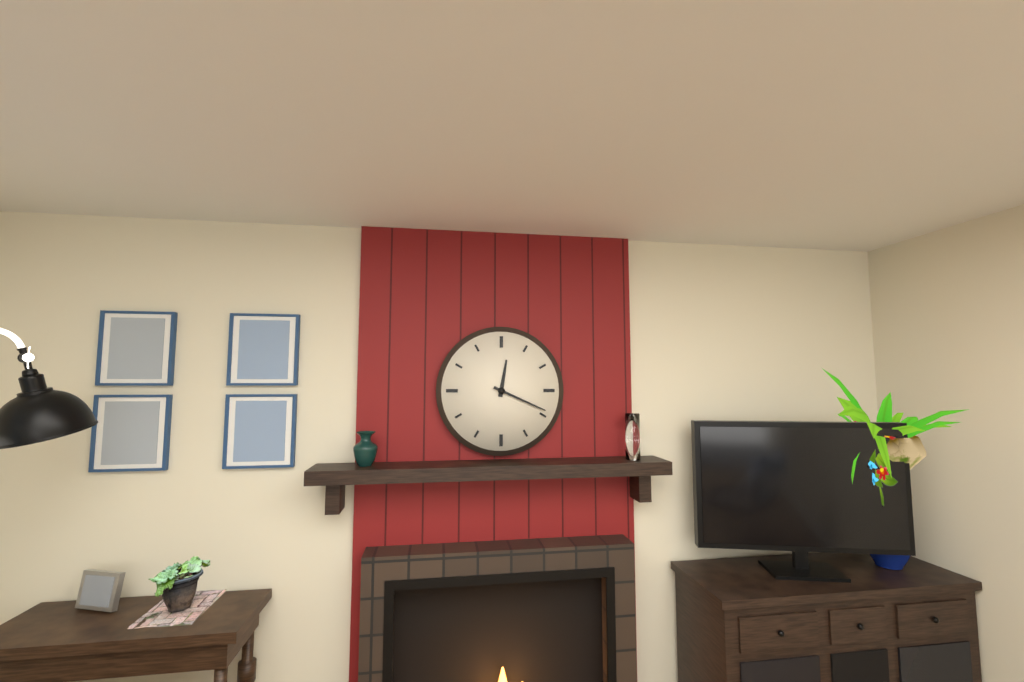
12:19
